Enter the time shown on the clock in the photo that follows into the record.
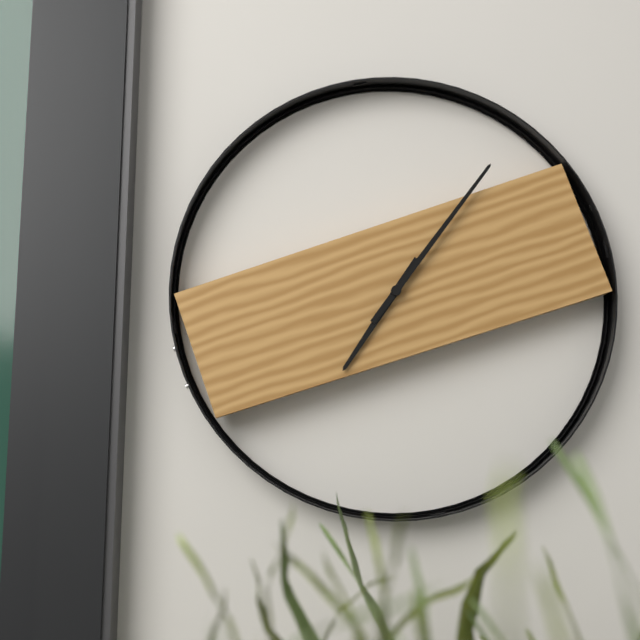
7:06
